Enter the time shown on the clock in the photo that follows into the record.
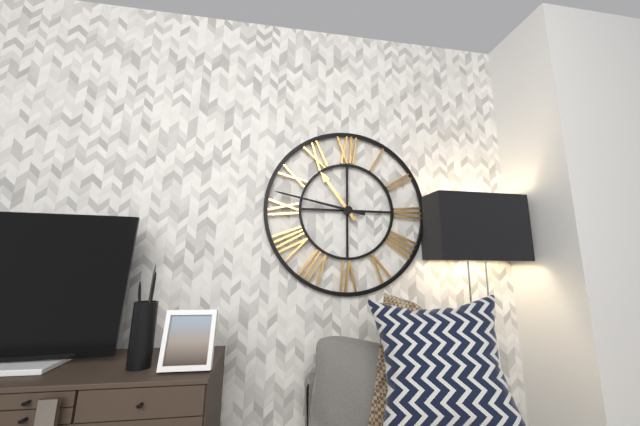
10:47
